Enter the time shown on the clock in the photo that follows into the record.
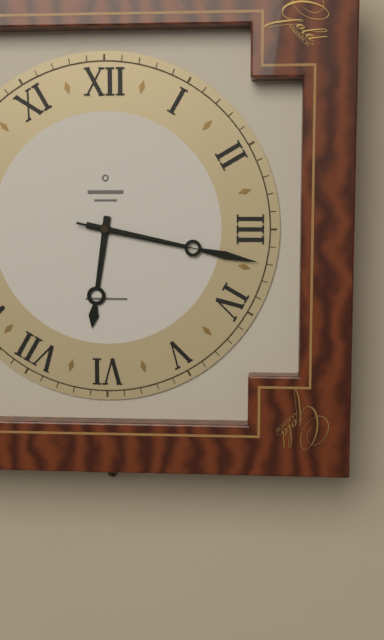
6:17:17
